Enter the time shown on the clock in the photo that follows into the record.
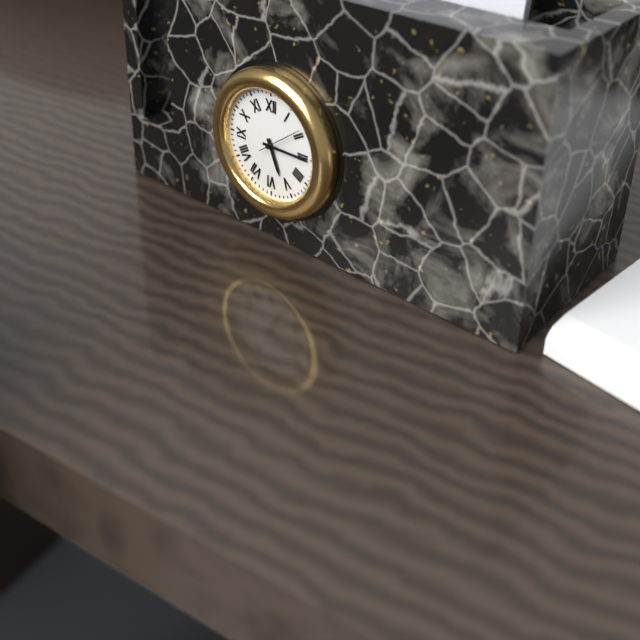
5:15
